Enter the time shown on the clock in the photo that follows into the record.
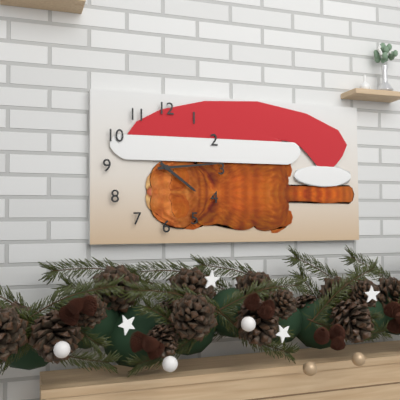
4:14
